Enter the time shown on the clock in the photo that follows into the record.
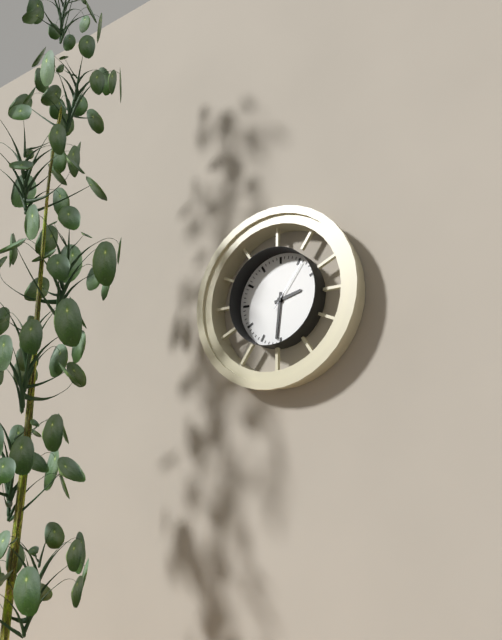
2:31:06
